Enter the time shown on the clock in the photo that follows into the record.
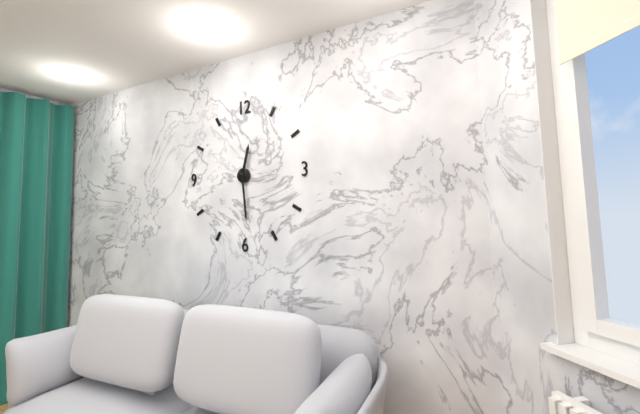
12:29
